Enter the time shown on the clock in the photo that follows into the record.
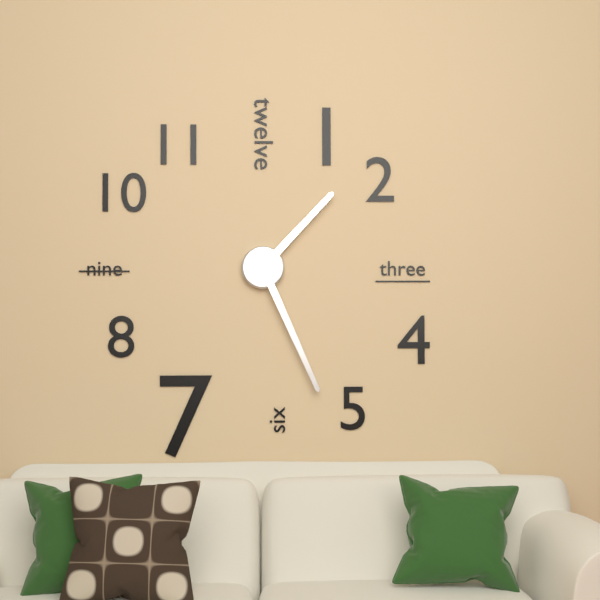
1:26
